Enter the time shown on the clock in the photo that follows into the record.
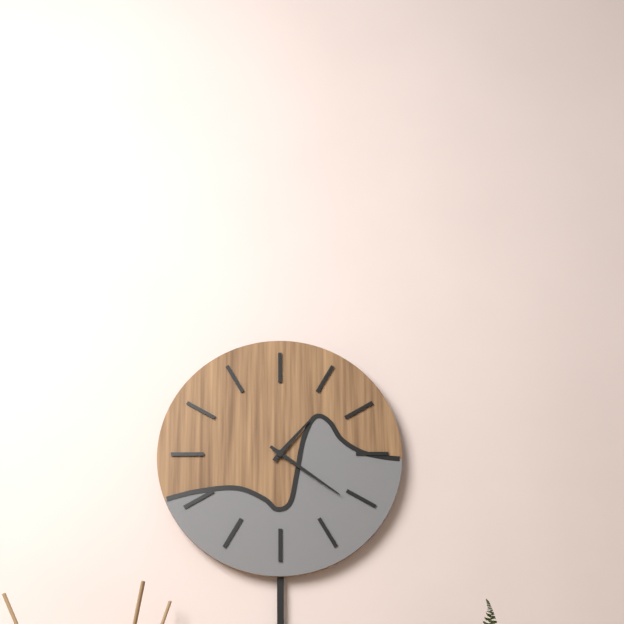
1:21
